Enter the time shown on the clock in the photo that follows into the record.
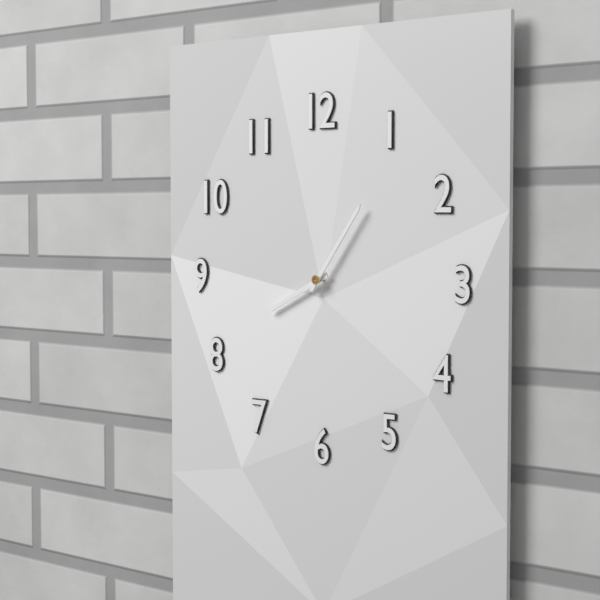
8:06
